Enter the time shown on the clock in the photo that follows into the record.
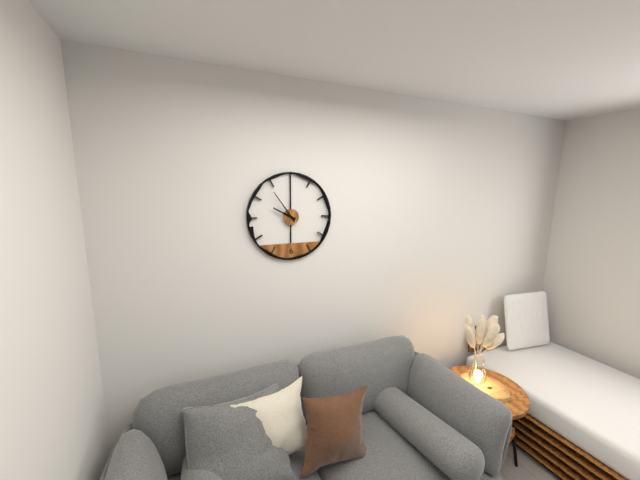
9:54
